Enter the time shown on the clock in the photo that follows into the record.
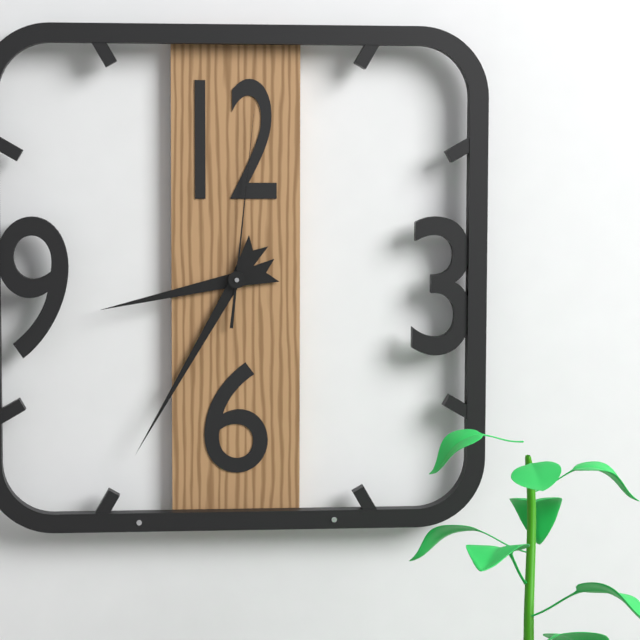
8:35:01
